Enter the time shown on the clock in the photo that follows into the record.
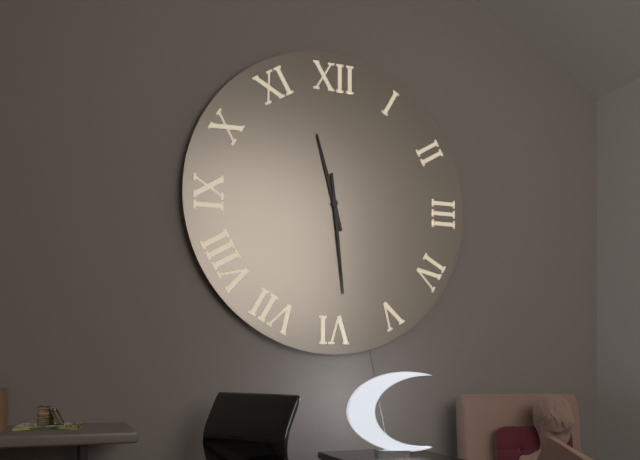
11:29
